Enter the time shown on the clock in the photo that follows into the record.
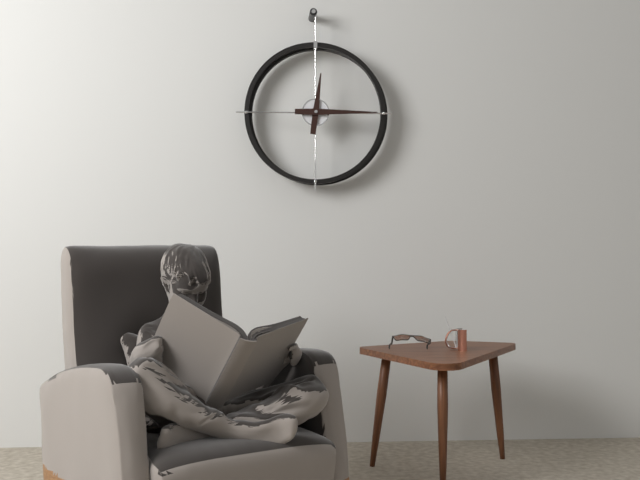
12:15
